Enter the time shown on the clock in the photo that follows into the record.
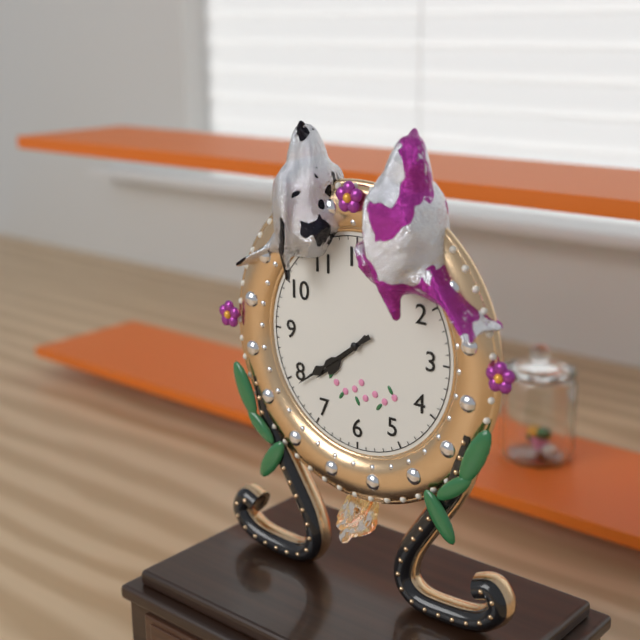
7:39
